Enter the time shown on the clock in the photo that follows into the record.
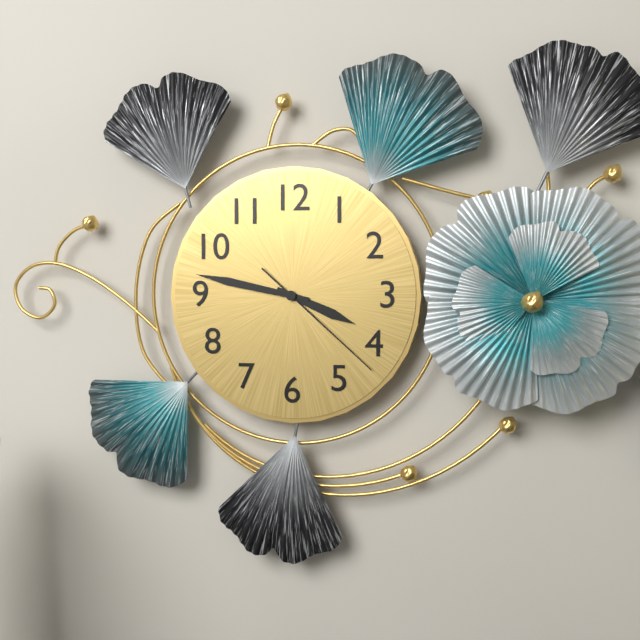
3:47:22
